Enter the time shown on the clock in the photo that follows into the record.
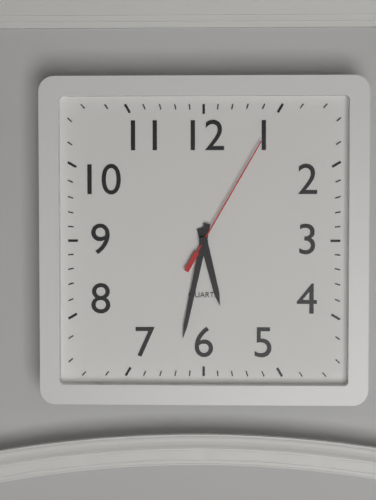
5:32:05
